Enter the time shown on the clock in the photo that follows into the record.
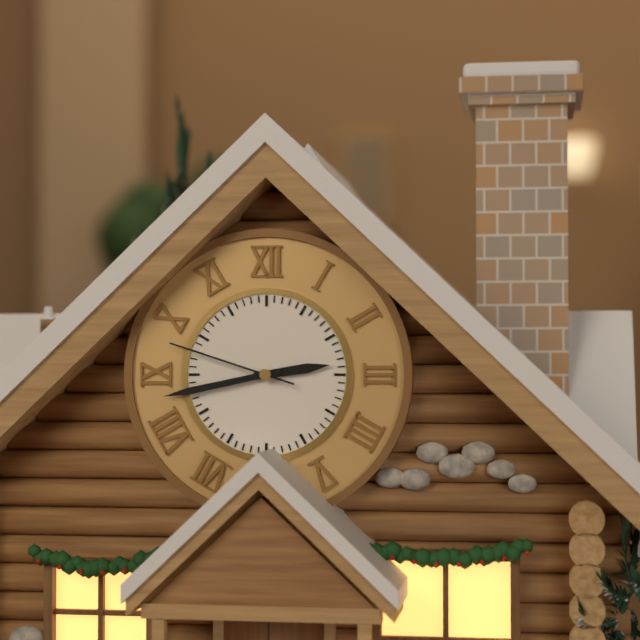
2:43:48
